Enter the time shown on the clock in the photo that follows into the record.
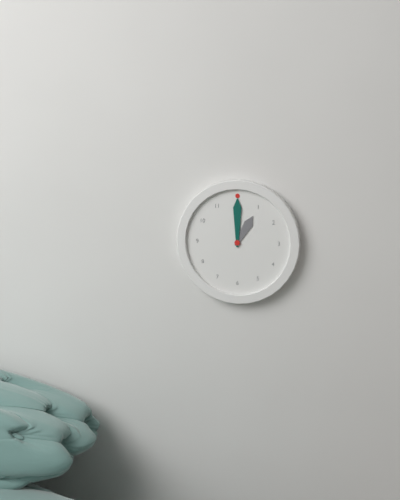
1:00
